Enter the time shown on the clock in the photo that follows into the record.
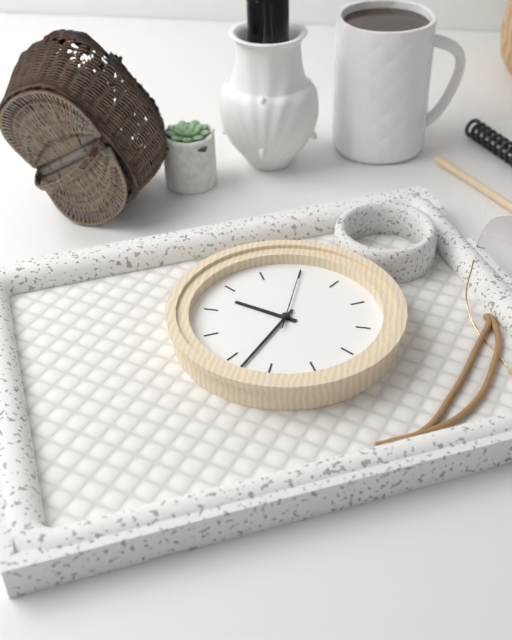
9:33:00
